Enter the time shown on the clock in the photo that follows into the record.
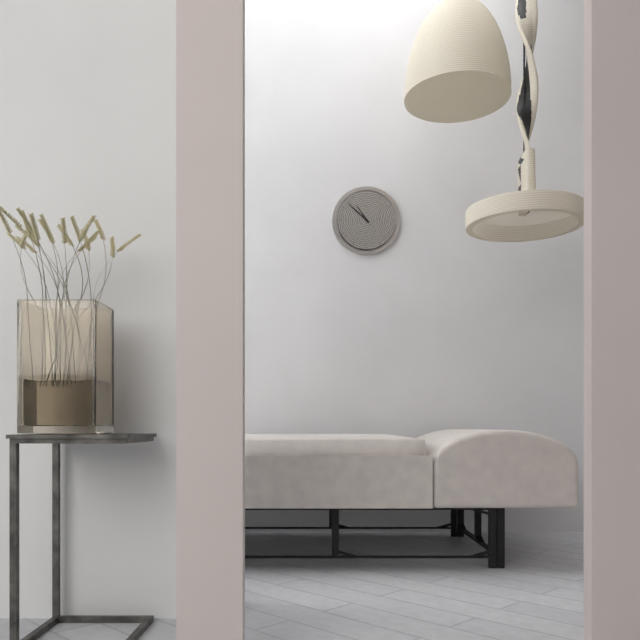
10:52
